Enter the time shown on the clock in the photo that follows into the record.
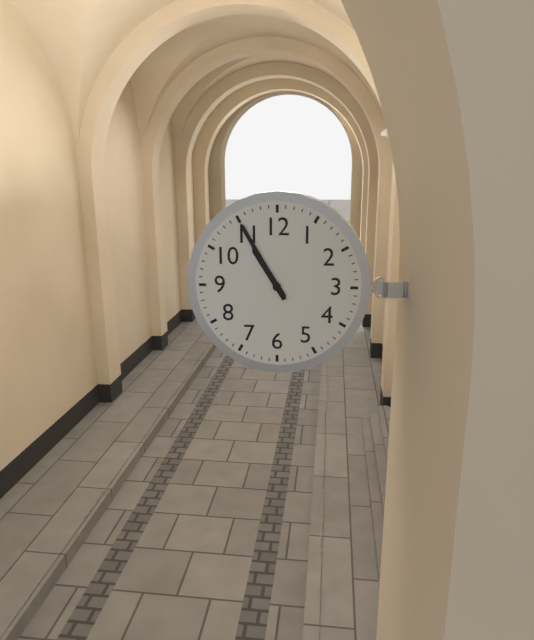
10:55
